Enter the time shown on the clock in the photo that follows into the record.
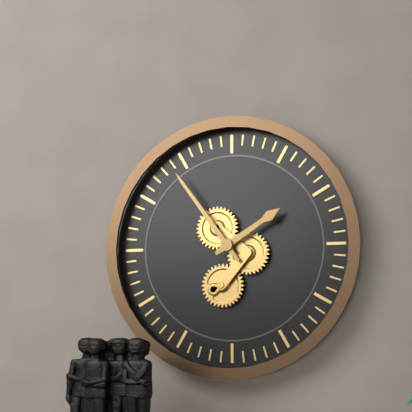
1:54
